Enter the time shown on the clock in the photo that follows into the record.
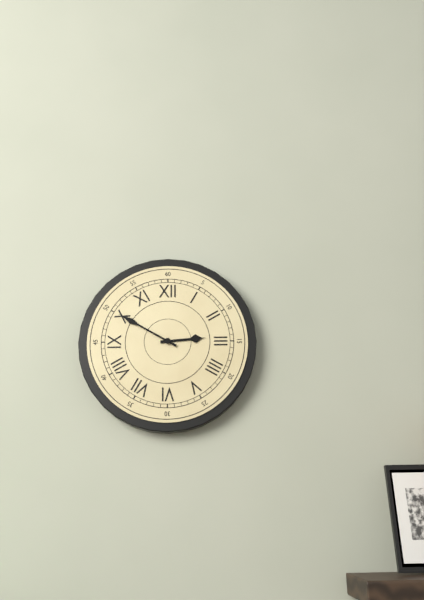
2:50
